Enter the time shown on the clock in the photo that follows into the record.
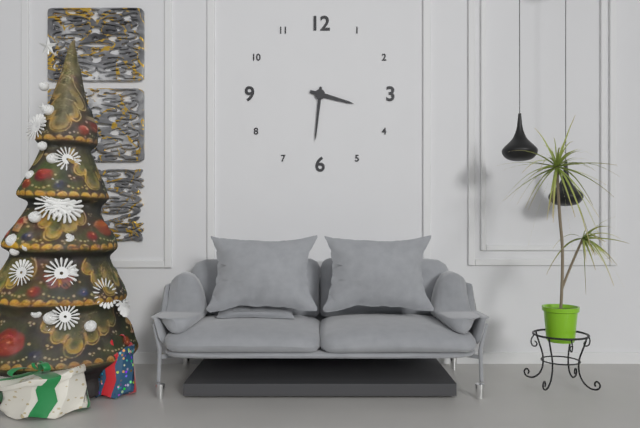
3:31
